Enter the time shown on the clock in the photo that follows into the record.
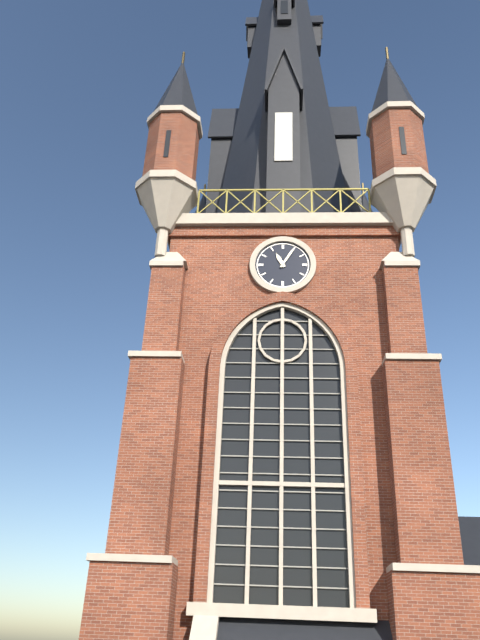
11:05
